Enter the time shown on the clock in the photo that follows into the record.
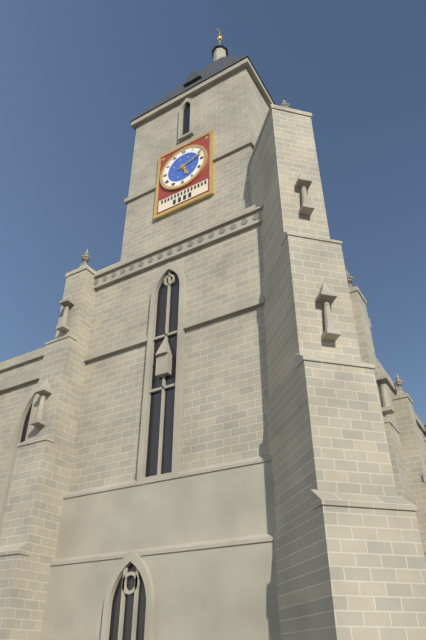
5:12
